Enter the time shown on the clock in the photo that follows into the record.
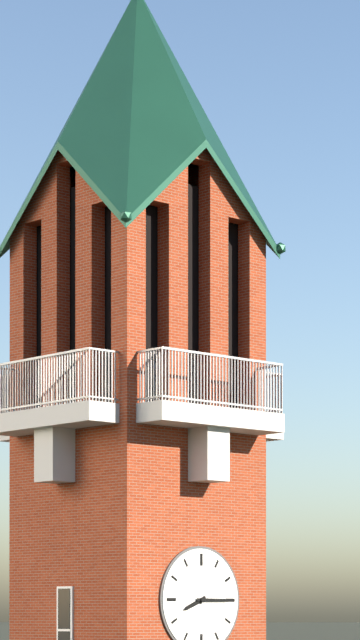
8:15
